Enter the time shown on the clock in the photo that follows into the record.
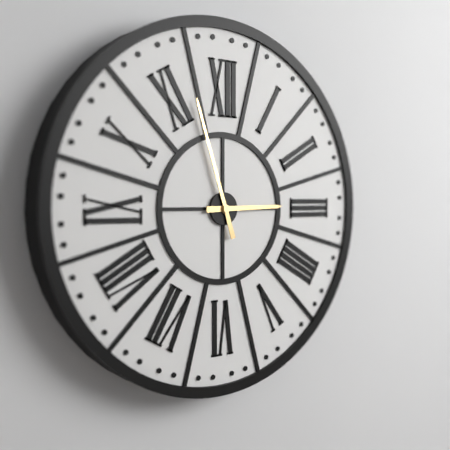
2:57
